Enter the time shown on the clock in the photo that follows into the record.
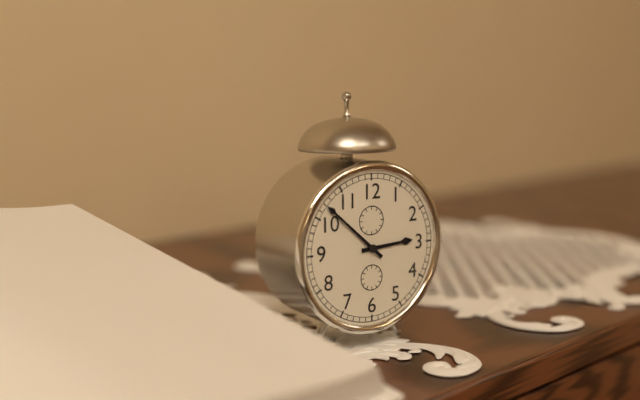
2:52
